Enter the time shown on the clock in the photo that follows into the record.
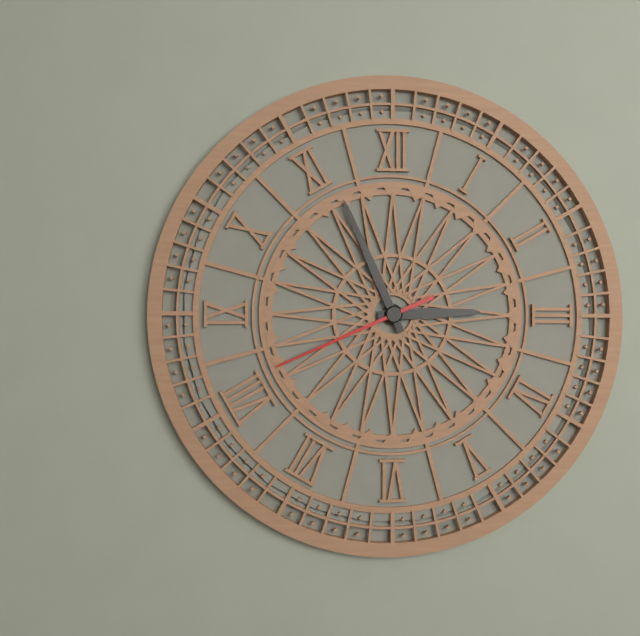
2:56:41
